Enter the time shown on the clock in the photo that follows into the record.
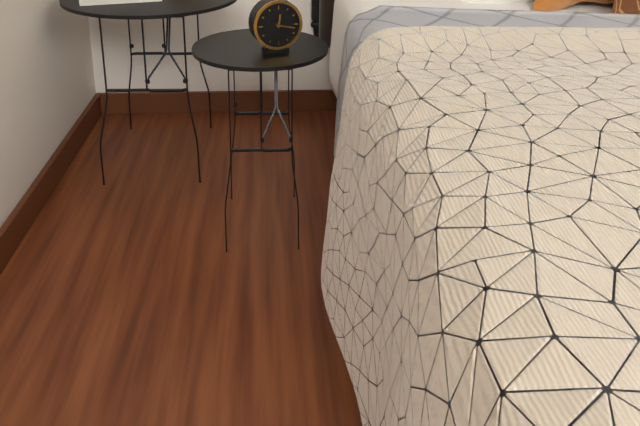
12:17
